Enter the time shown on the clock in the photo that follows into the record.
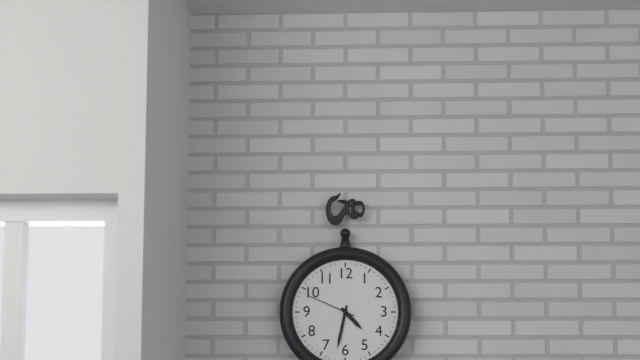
4:32:49
